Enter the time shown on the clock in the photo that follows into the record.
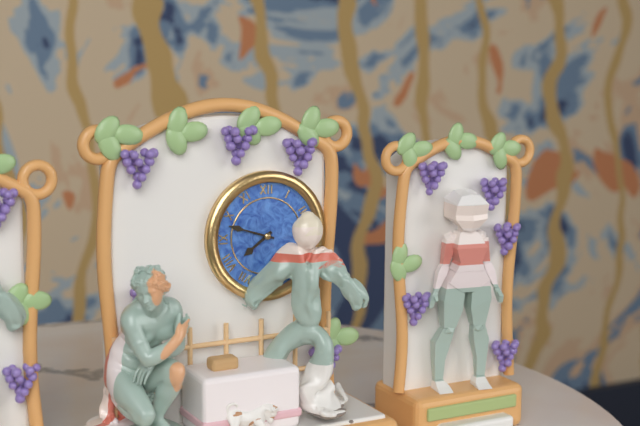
7:48
